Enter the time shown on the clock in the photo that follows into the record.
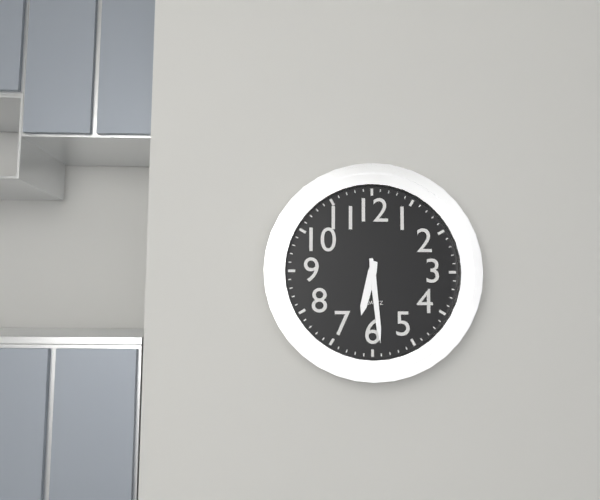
6:29
